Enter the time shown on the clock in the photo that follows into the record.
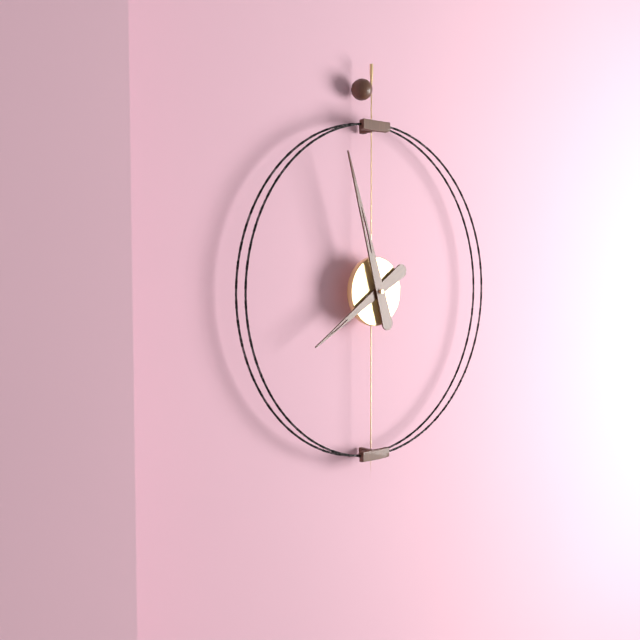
7:57
